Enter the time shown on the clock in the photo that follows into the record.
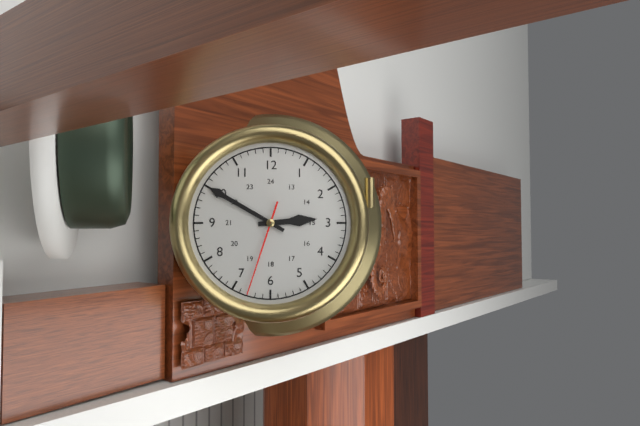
2:50:33
